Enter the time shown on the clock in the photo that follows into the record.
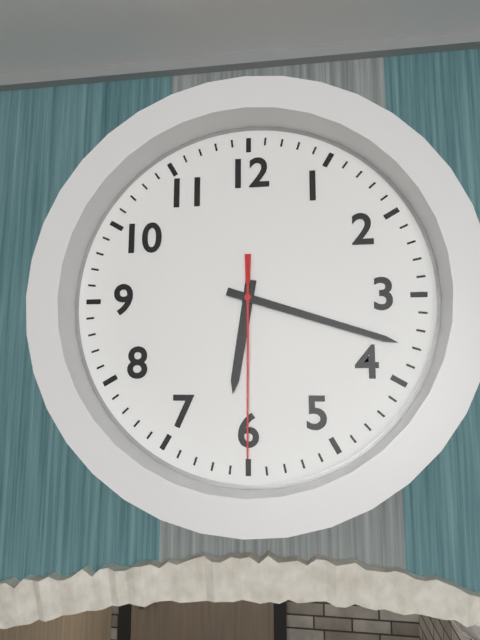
6:18:30
